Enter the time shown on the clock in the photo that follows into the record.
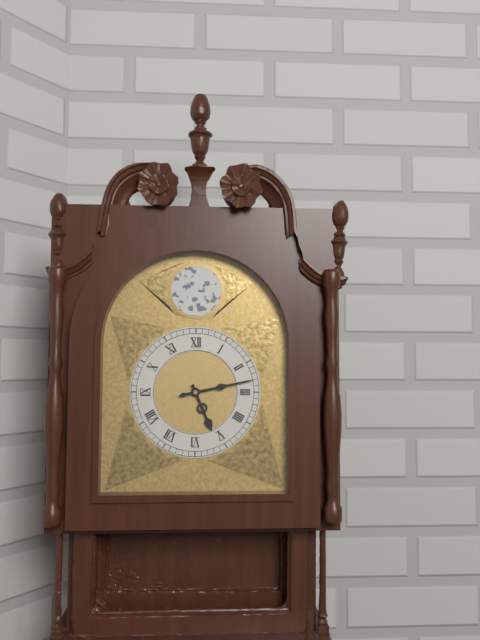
5:13
